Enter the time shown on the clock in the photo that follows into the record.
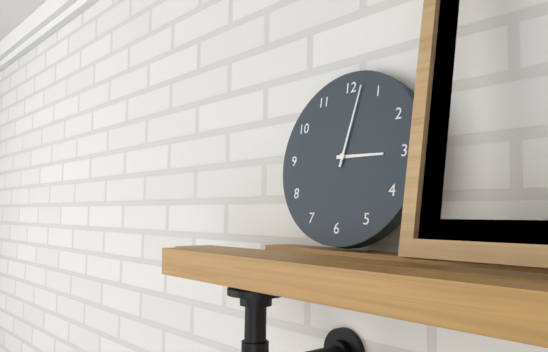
3:02
